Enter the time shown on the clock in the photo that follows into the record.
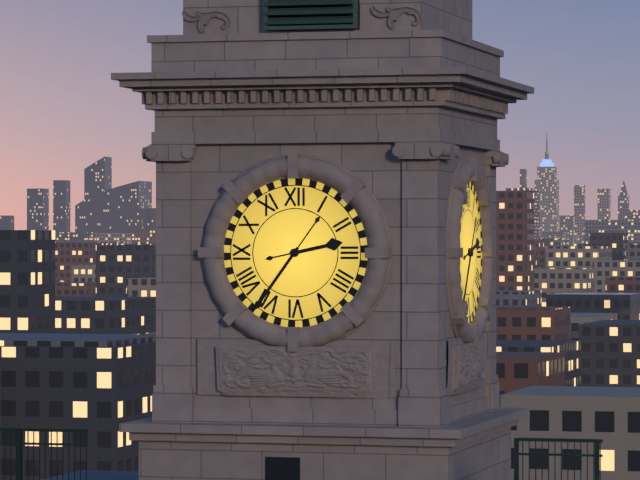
2:36
